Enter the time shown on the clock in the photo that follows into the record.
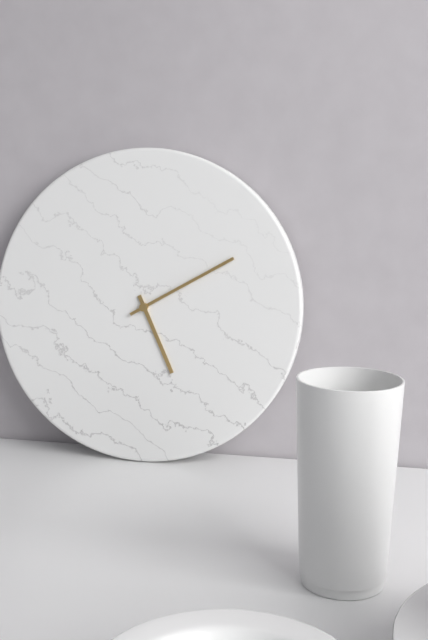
5:10
